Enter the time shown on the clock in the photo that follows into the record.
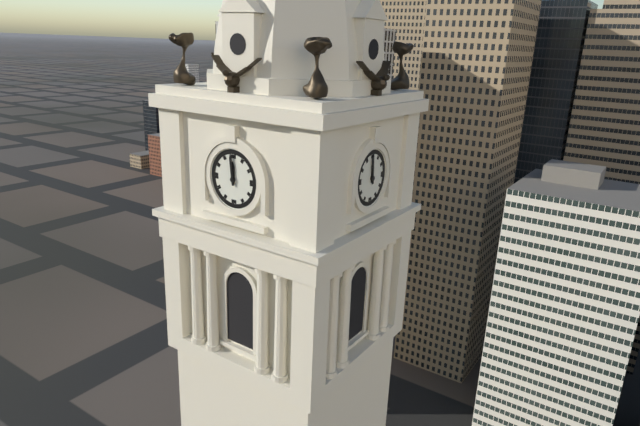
11:59
